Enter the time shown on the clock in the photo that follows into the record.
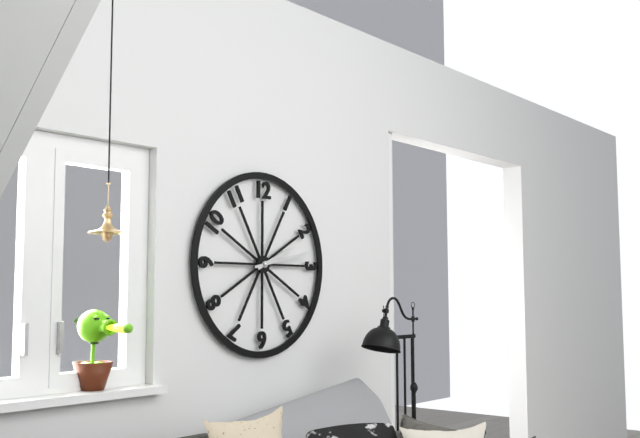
2:13
